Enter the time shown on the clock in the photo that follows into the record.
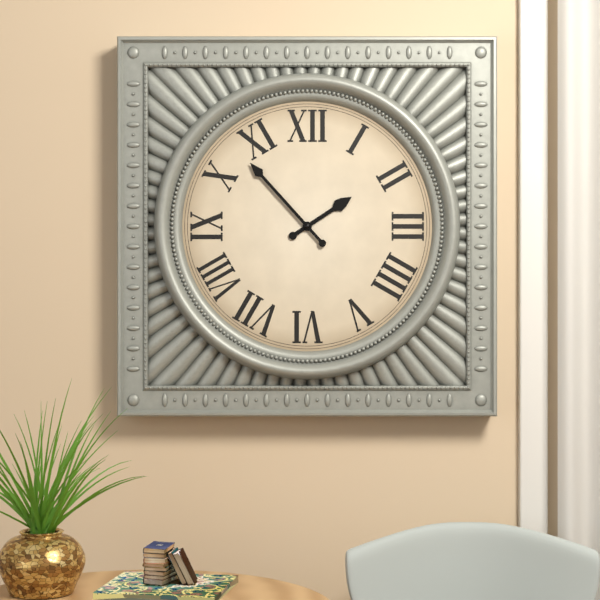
1:53
